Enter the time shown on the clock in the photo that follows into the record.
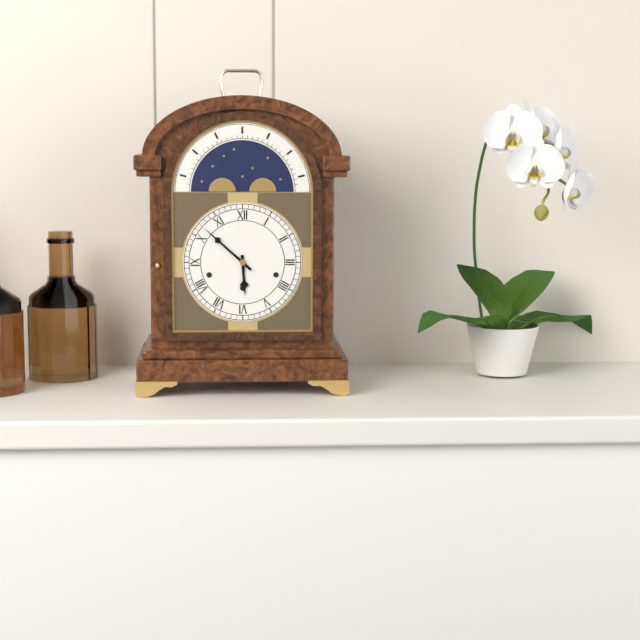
5:52
